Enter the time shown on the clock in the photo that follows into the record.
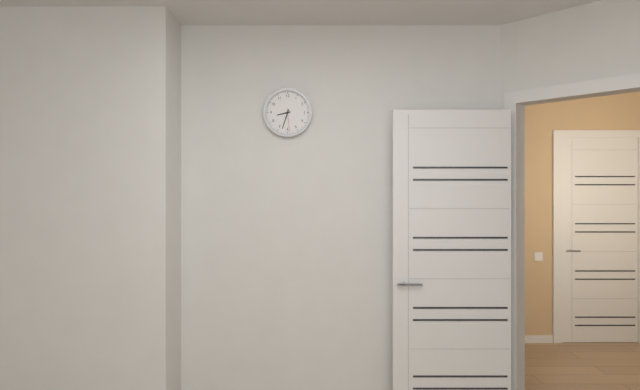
8:33
